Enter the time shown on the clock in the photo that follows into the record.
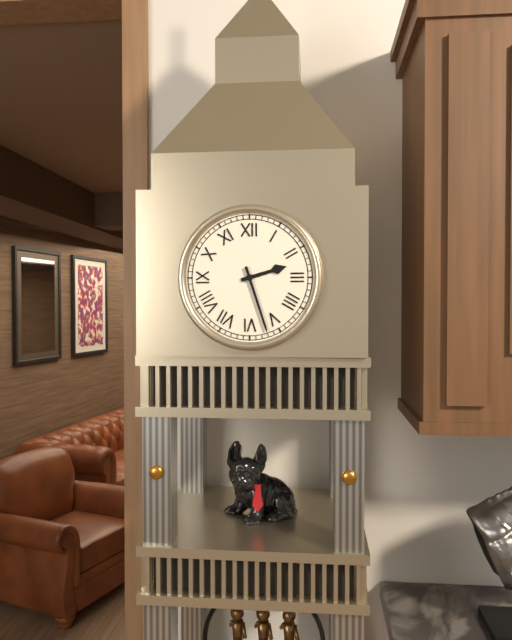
2:27
